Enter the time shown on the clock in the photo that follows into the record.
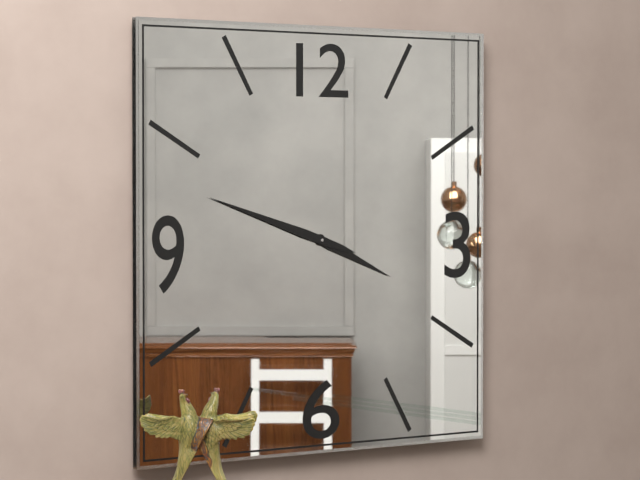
3:48
